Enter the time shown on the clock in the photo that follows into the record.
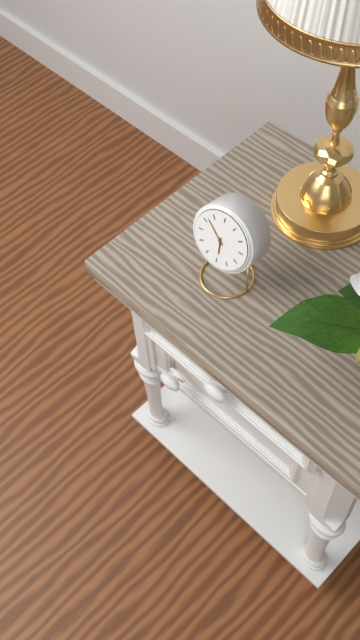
5:52
